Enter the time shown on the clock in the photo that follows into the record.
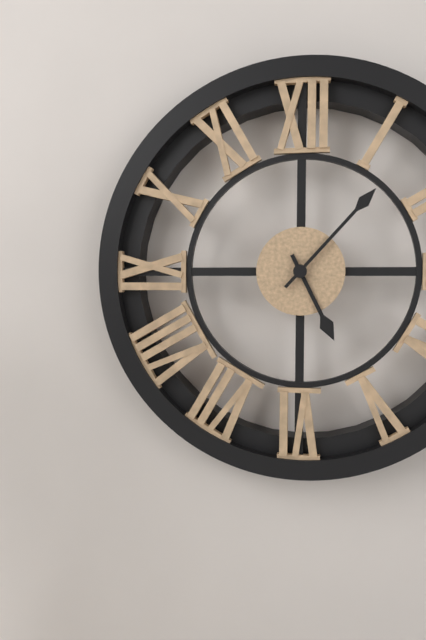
5:07
